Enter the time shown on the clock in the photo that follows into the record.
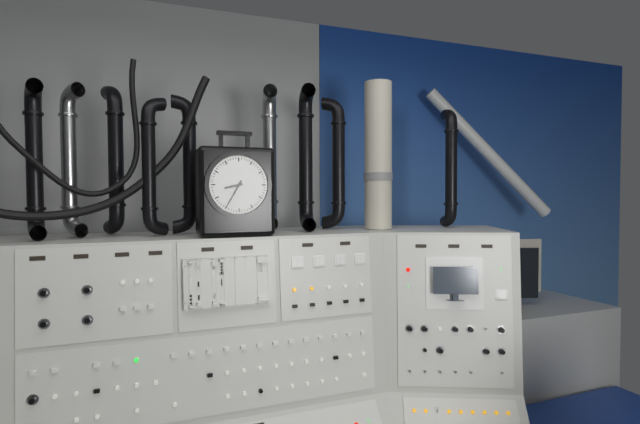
8:35
